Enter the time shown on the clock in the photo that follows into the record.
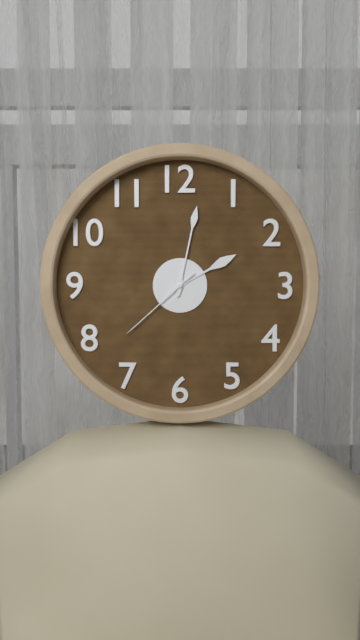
2:02:38
